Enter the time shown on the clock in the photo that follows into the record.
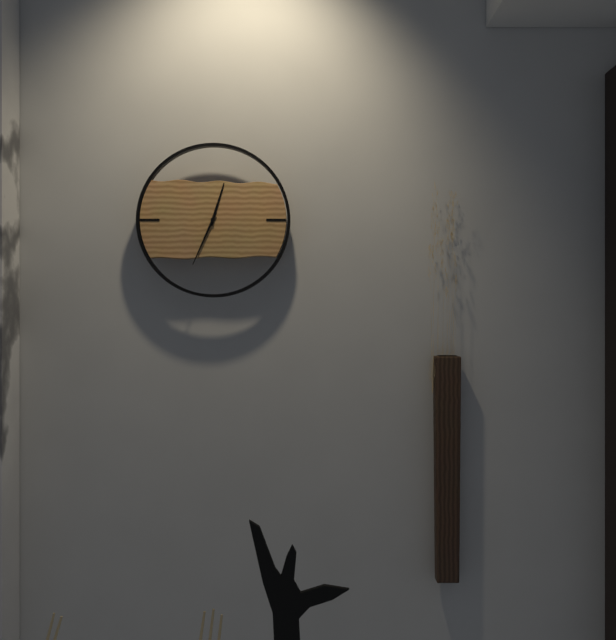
12:34
